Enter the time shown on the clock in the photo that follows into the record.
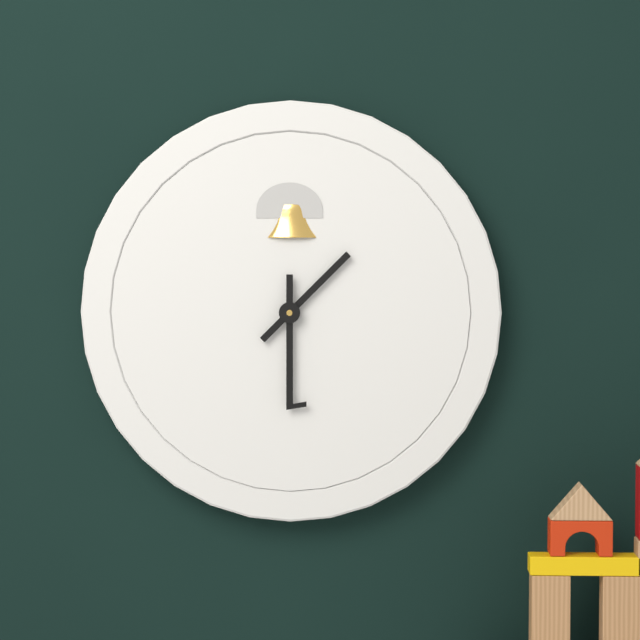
1:30
